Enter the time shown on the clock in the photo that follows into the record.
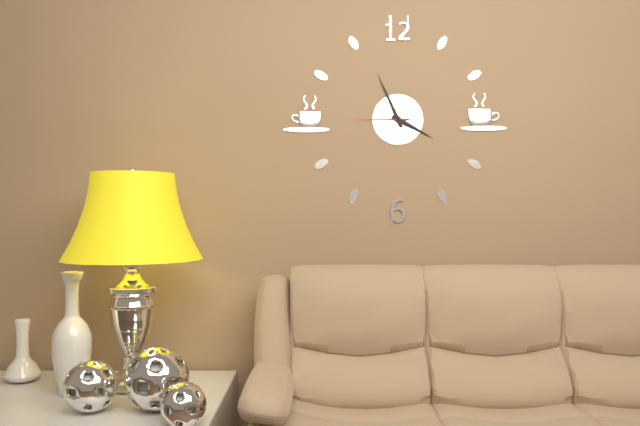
3:56:45
